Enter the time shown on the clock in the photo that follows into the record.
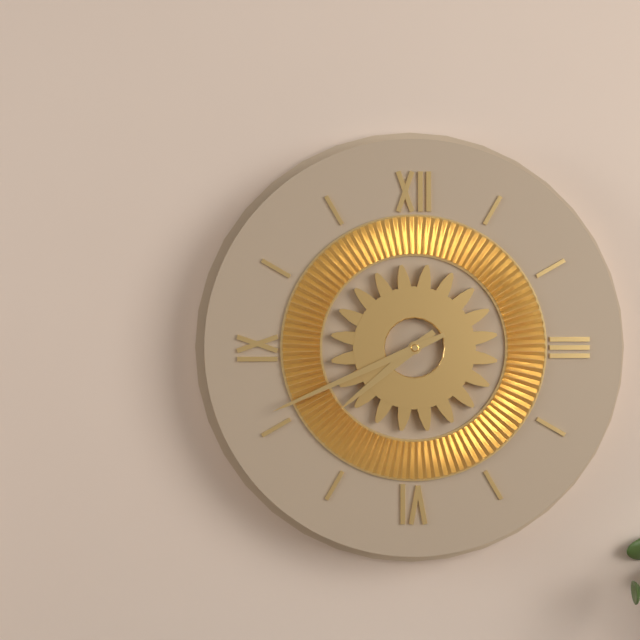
7:41
